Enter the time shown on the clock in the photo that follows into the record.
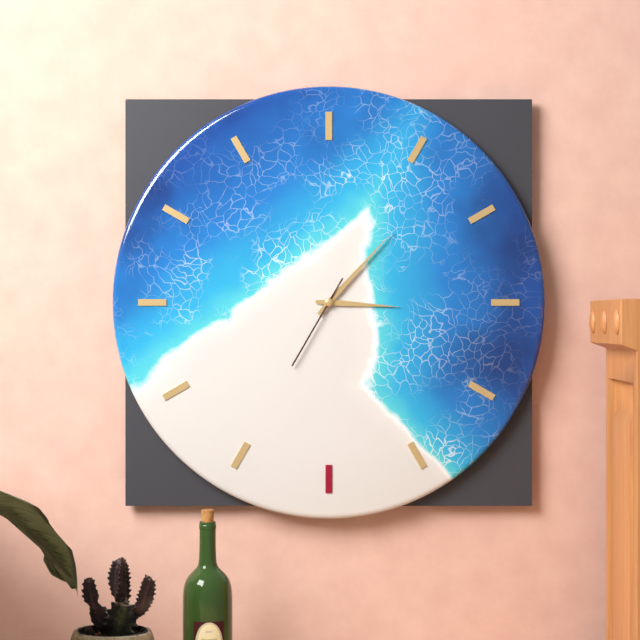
3:07:35
